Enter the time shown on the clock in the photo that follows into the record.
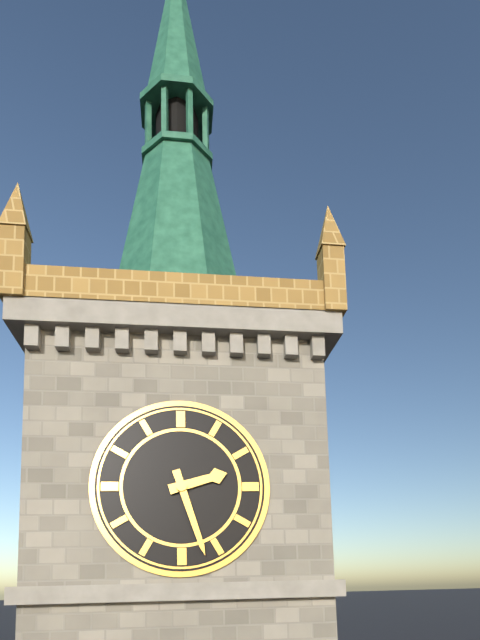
2:27
